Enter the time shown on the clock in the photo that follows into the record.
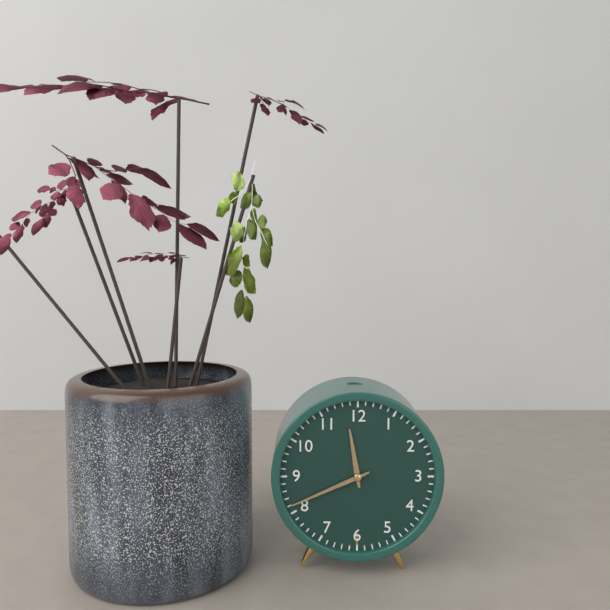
11:41
